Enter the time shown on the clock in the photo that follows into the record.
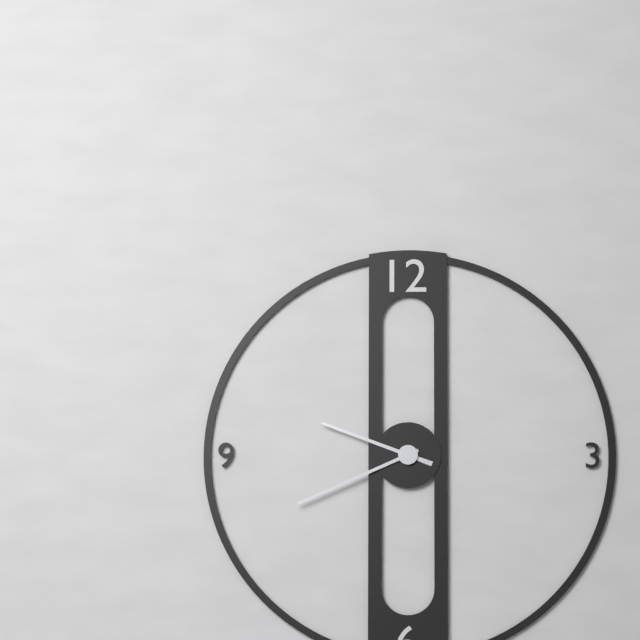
9:41
